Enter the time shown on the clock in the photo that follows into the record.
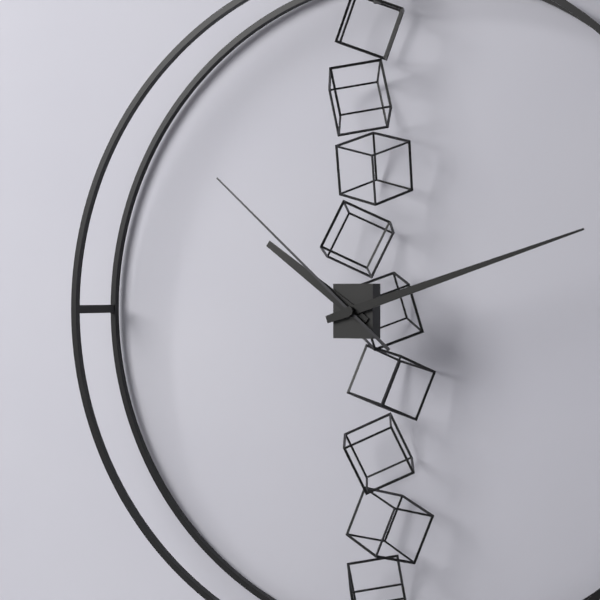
10:12:52
